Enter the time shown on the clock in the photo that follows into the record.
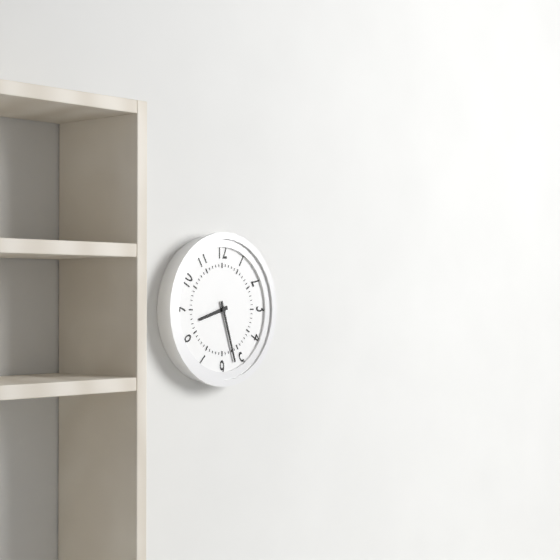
8:27
